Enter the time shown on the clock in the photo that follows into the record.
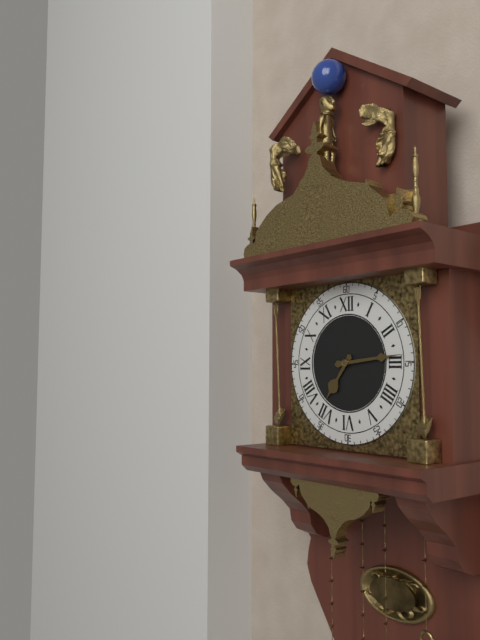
7:14
